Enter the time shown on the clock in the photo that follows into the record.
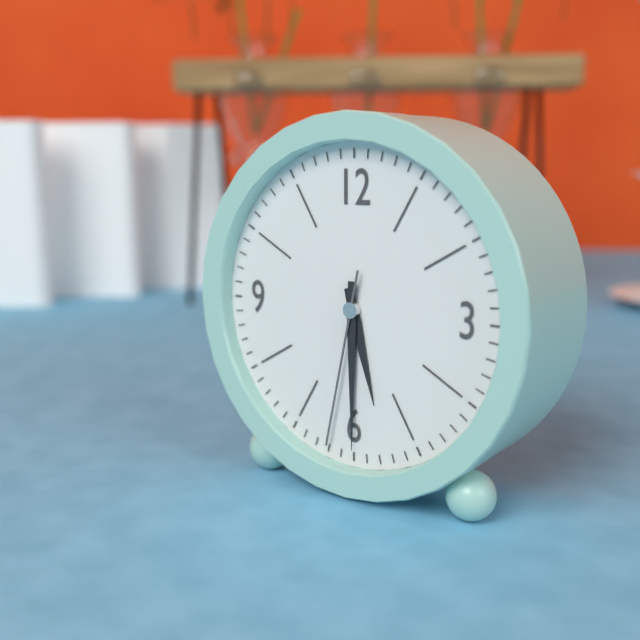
5:30:32
